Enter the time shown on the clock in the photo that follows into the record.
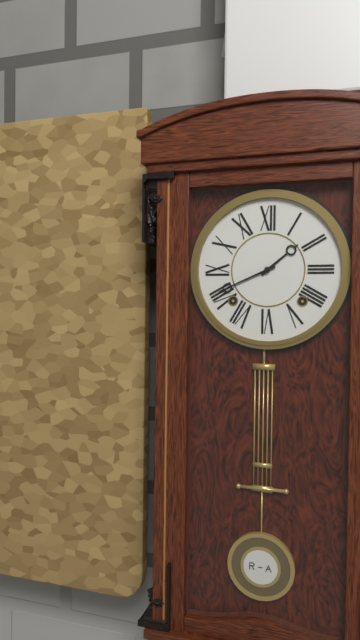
1:41
